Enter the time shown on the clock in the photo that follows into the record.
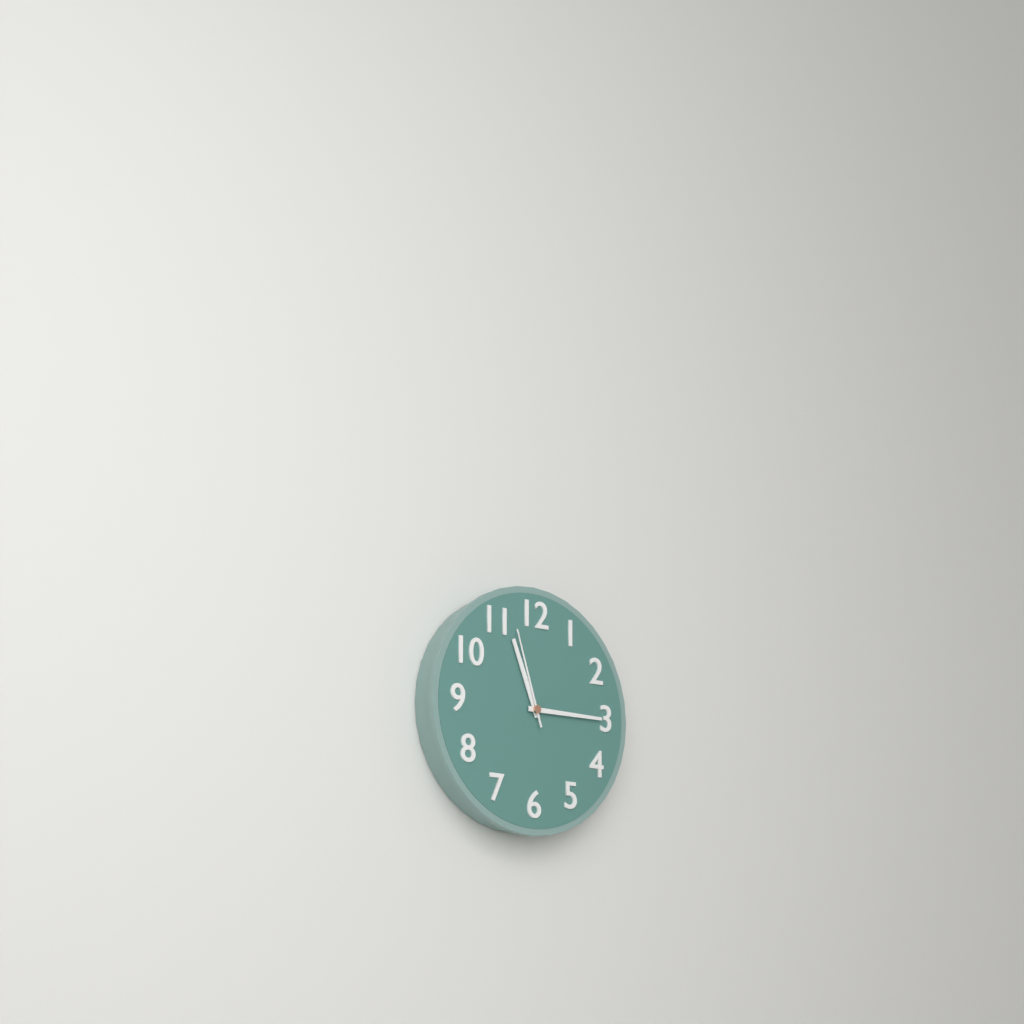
11:15:57
